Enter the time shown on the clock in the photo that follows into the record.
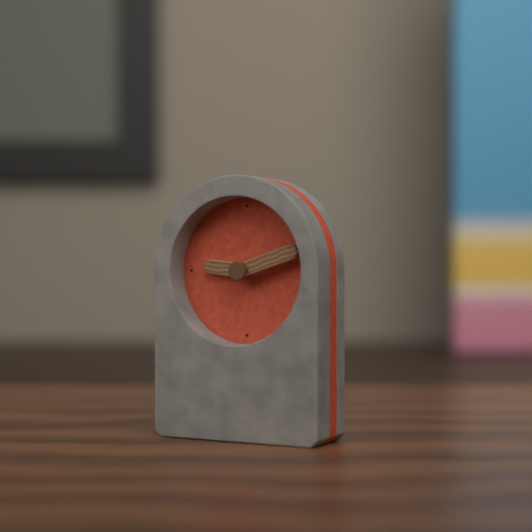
9:12
